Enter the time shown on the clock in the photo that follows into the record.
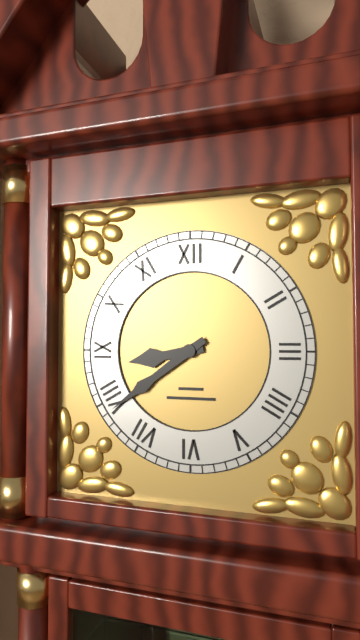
8:39
